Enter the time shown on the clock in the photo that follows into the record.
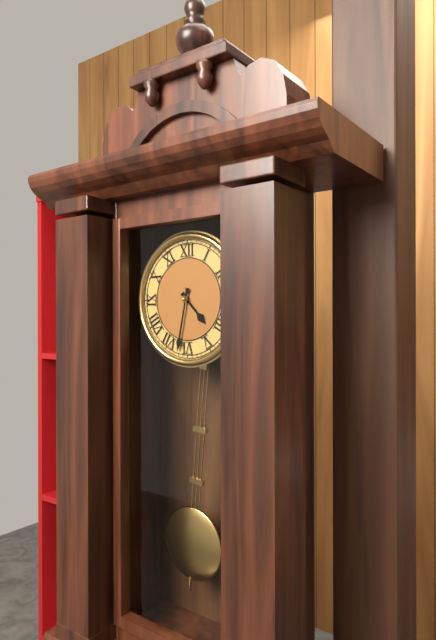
4:32
